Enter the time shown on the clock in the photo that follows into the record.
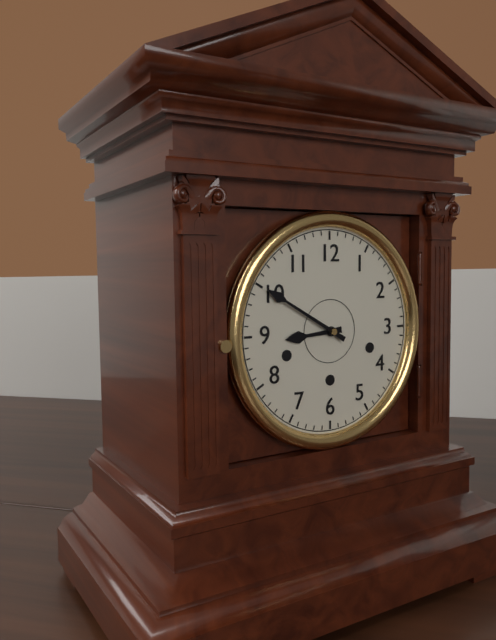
8:50
